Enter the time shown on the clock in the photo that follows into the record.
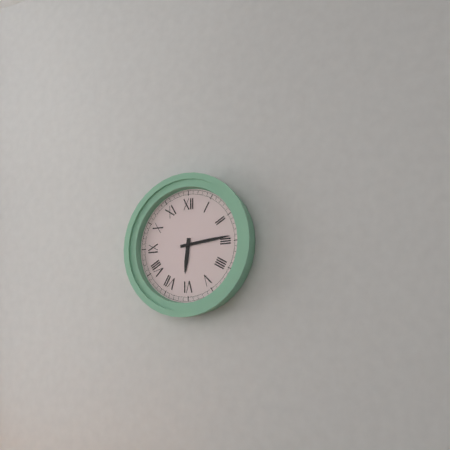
6:14
